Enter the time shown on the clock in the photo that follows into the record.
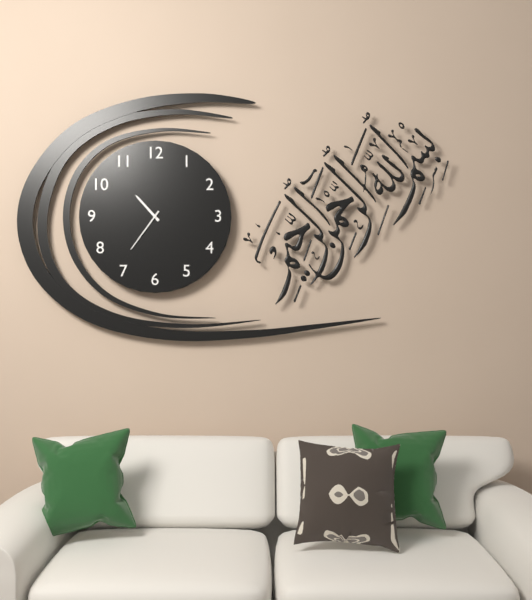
10:36
